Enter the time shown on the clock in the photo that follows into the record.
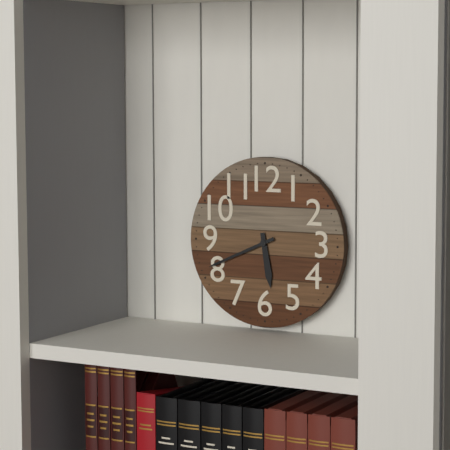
5:41
